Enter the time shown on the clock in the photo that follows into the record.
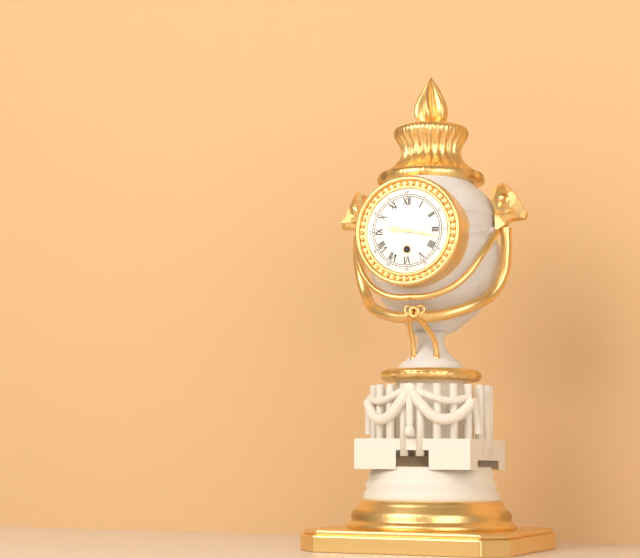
9:17
